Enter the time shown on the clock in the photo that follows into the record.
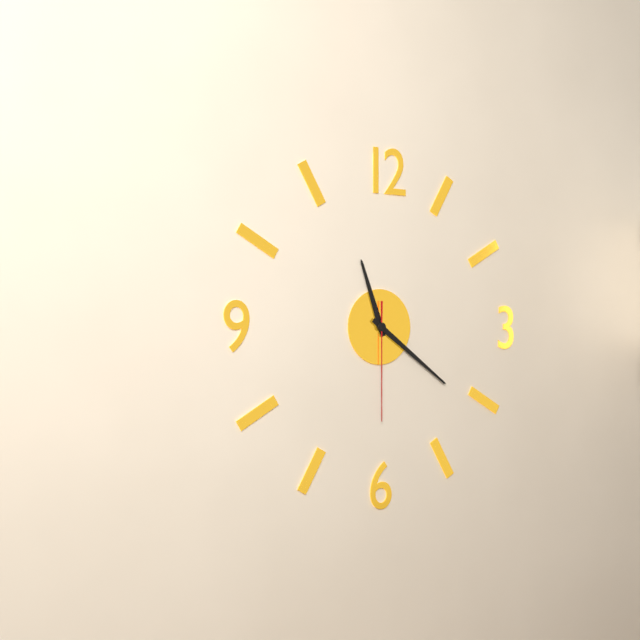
11:21:30
